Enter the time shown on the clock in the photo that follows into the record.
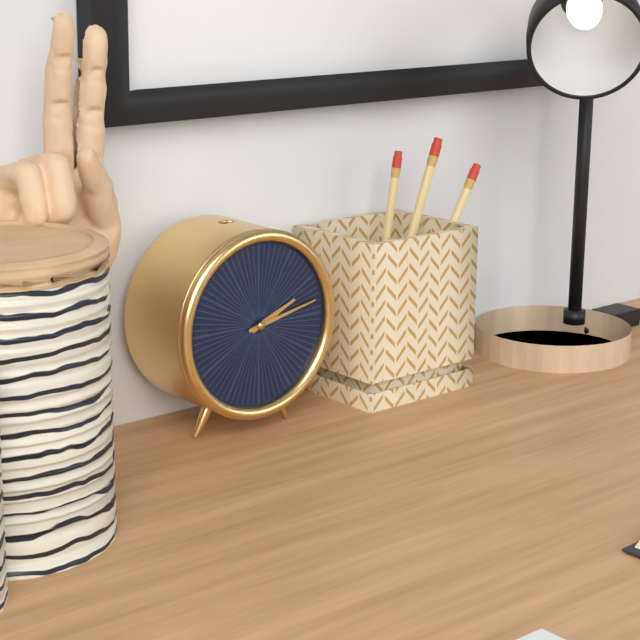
2:13
